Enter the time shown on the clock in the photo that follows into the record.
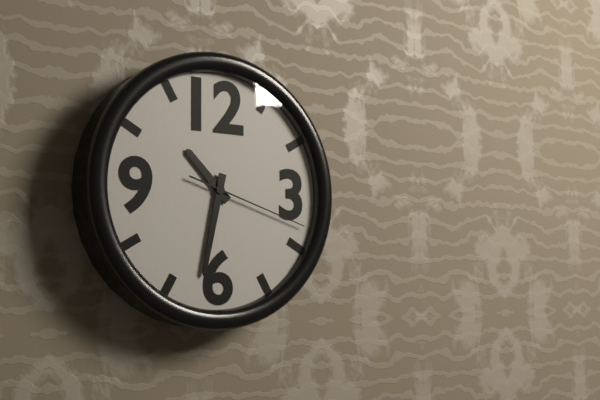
10:32:18
